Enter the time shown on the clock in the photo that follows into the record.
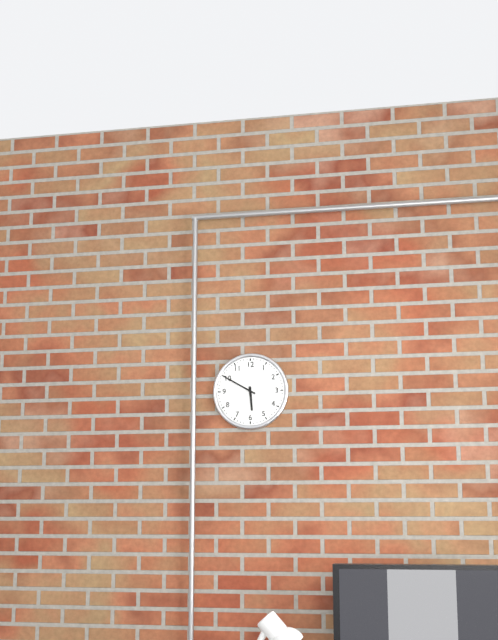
5:50
